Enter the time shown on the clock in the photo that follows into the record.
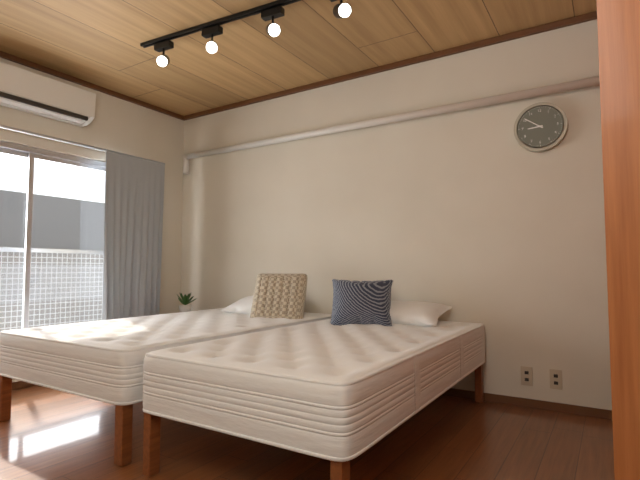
8:51
